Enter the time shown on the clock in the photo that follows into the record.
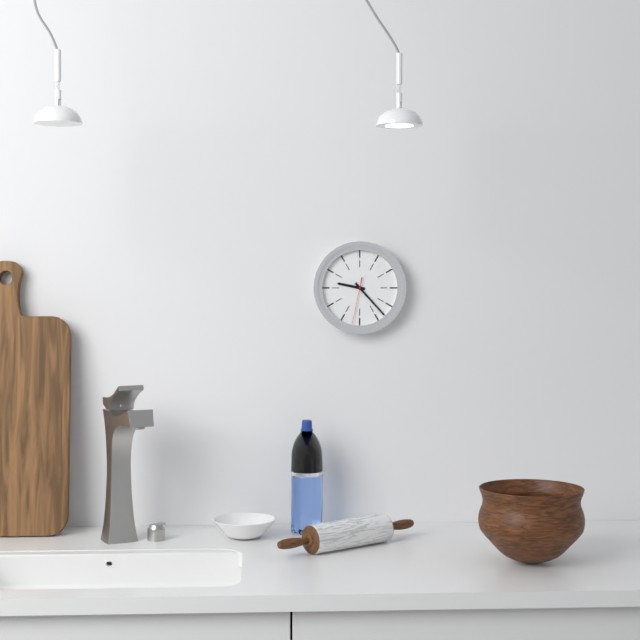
9:23
